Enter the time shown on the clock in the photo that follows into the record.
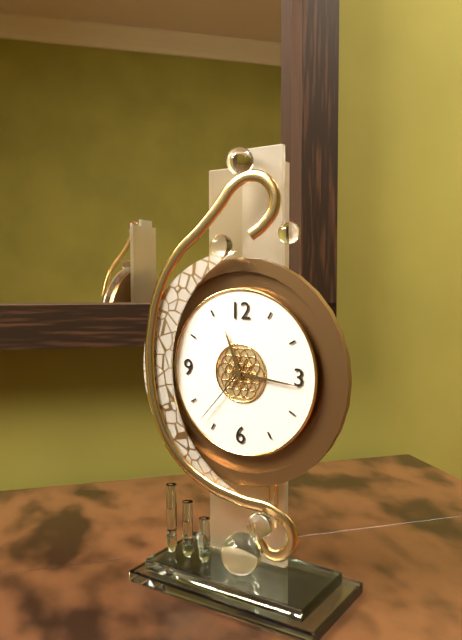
11:16:37
